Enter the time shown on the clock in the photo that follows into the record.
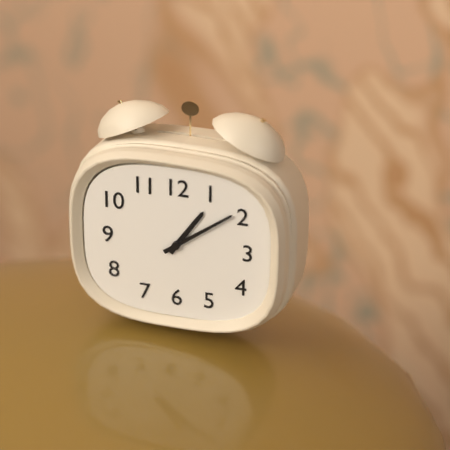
1:09
